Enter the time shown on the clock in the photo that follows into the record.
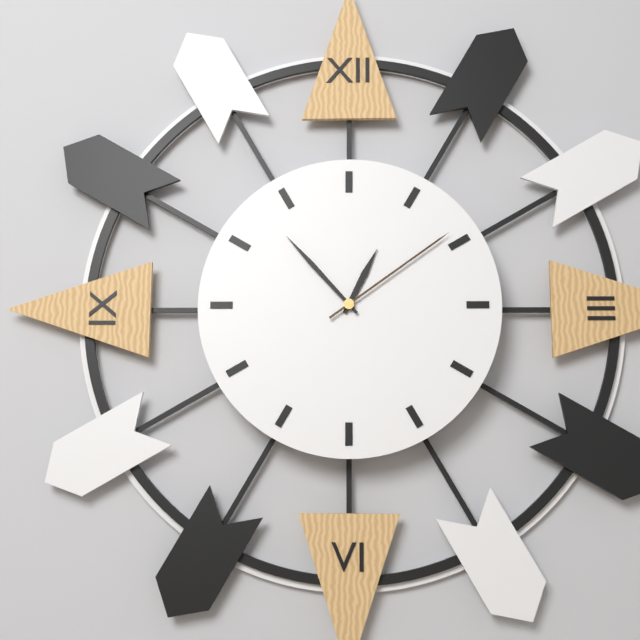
12:53:09
